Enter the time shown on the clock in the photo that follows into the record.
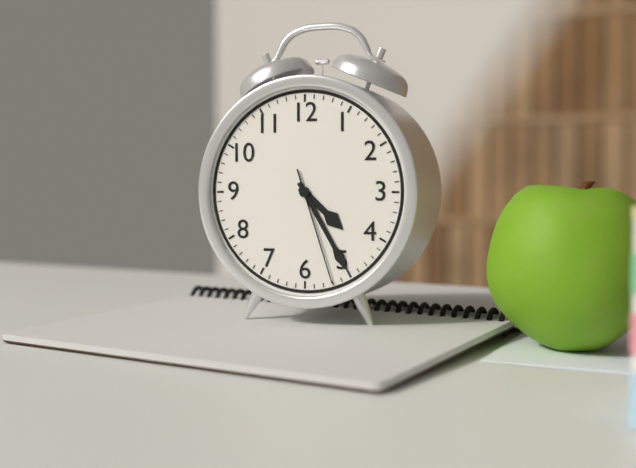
4:25:27
